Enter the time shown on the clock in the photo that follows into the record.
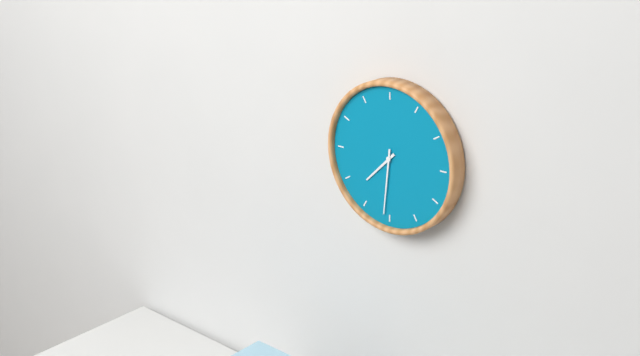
7:31
